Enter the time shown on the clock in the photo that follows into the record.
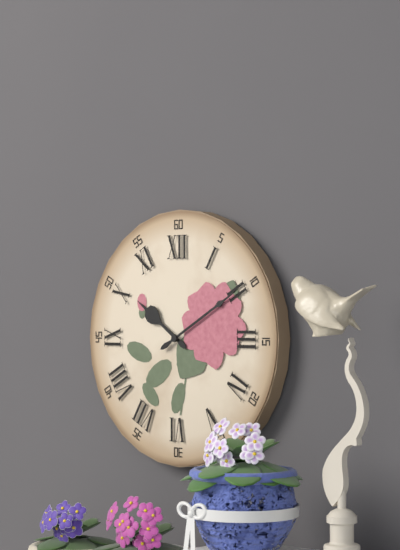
10:10
